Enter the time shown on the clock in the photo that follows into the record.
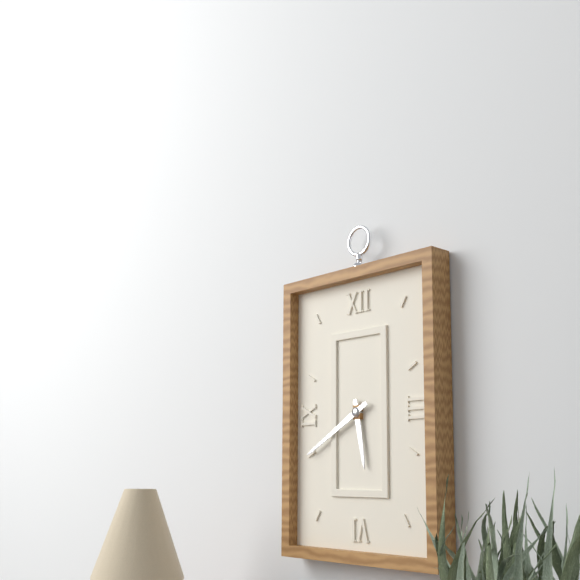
5:40
